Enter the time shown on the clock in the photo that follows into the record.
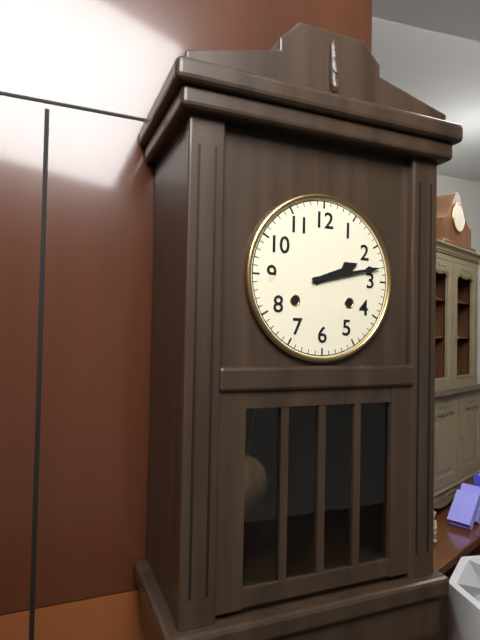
2:13
